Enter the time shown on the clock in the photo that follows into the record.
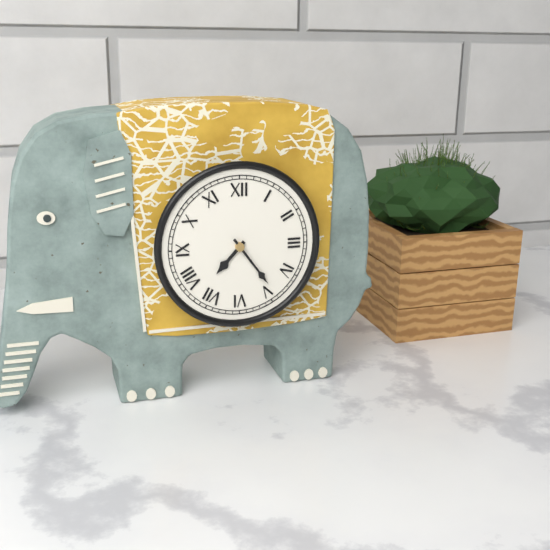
7:24
